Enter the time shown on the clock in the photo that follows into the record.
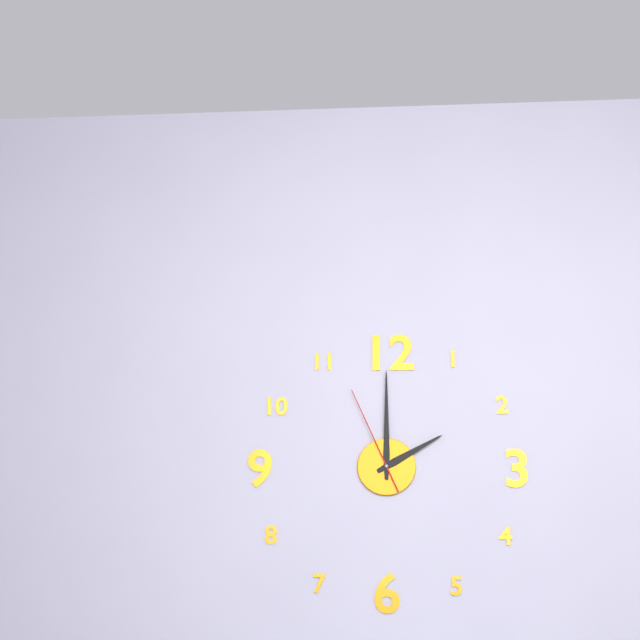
2:00:56
